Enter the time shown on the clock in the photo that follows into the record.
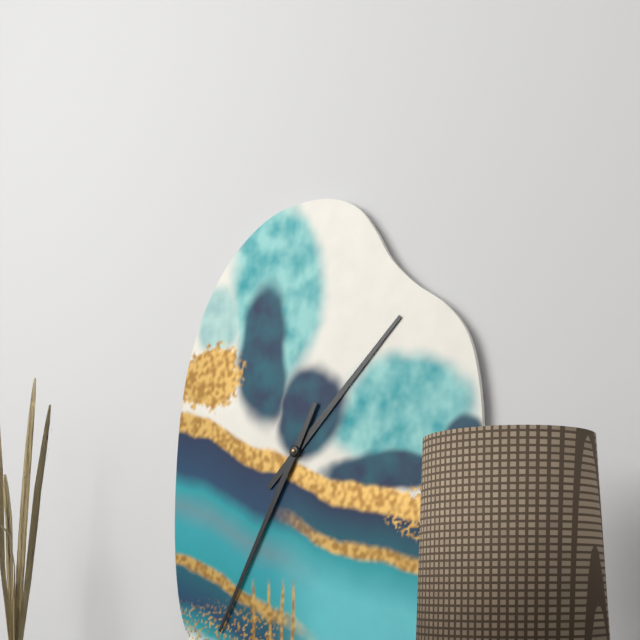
1:35
